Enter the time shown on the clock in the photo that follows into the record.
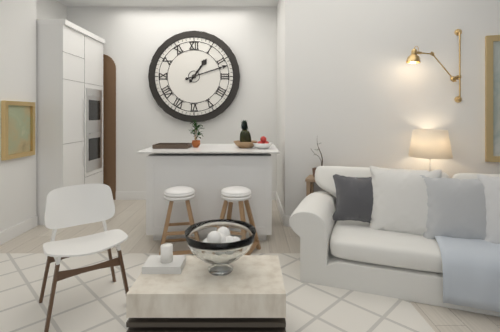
1:12
